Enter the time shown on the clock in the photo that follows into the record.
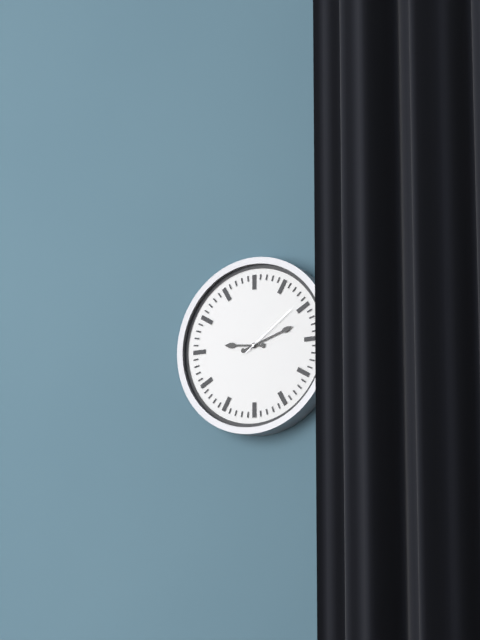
9:12:09
